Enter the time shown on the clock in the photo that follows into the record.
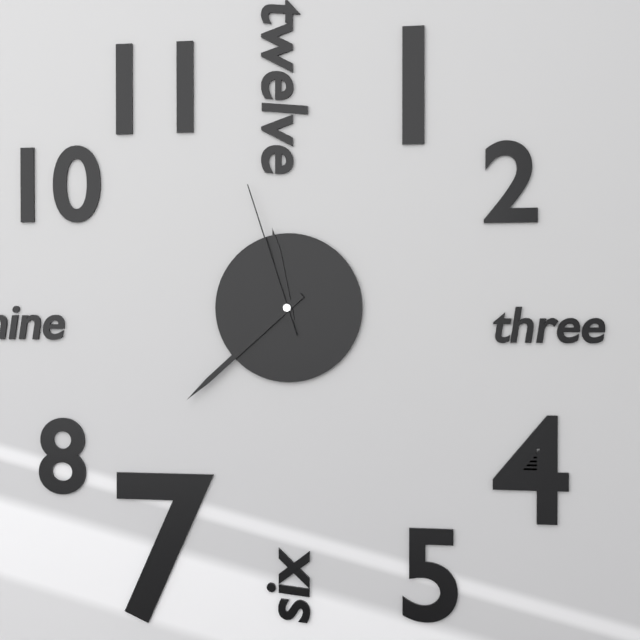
11:38:57
